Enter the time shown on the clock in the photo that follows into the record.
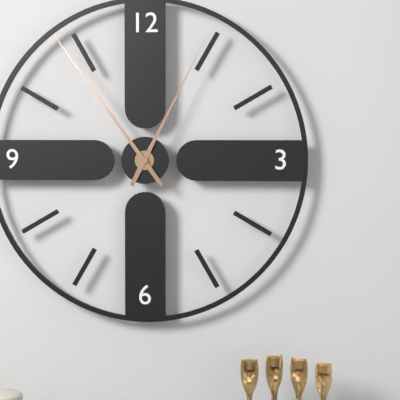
12:54
